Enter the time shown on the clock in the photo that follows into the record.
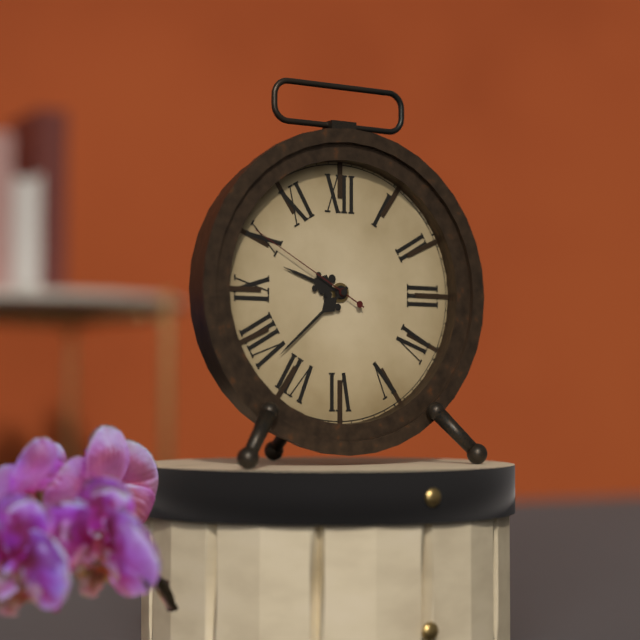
9:38:50
